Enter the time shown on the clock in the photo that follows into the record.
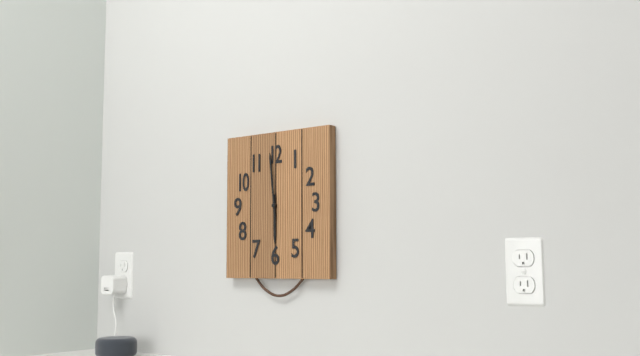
5:59
